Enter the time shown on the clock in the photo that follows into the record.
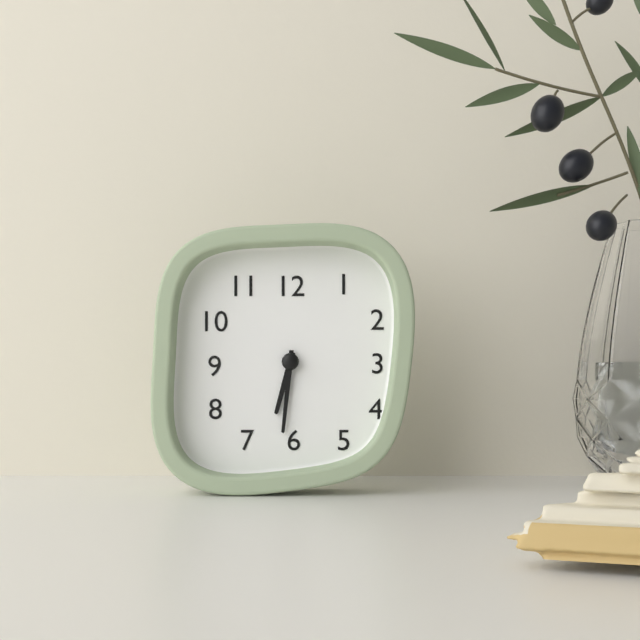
6:31
